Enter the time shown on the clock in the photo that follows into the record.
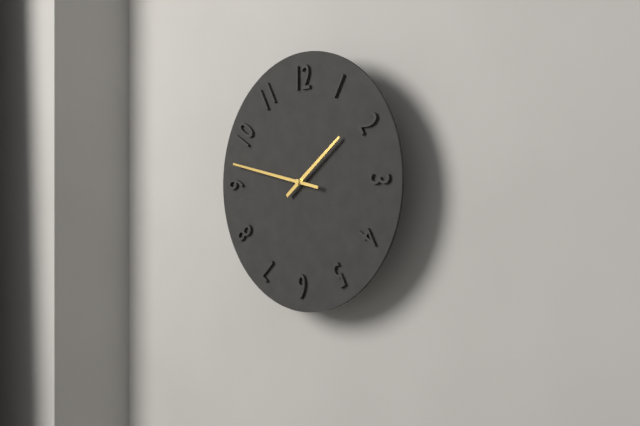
1:47
